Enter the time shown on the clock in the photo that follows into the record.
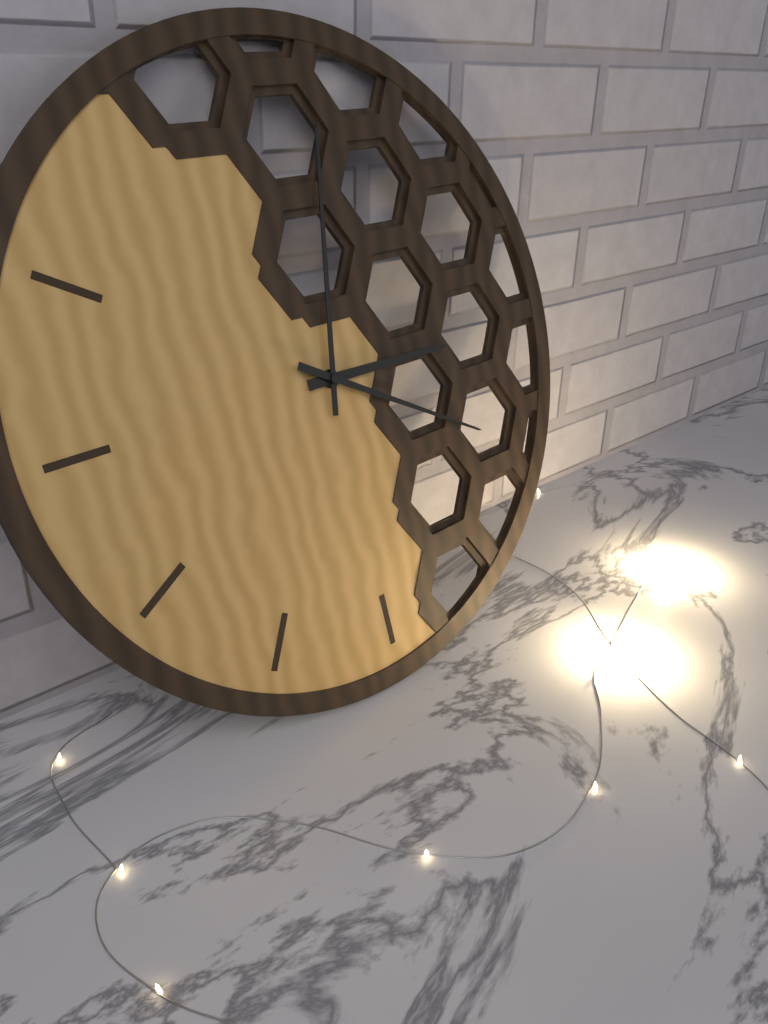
3:02:20
